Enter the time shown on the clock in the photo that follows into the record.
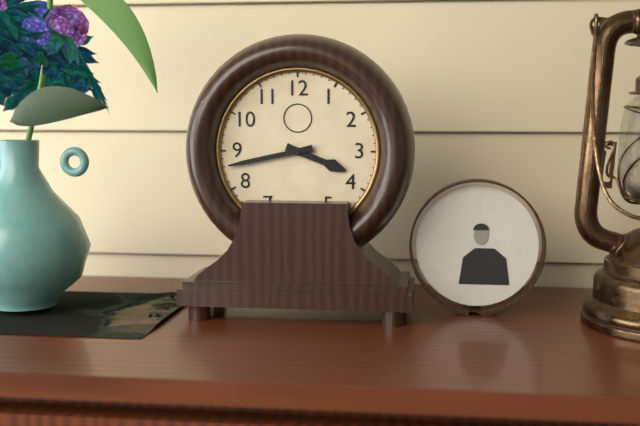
3:43
